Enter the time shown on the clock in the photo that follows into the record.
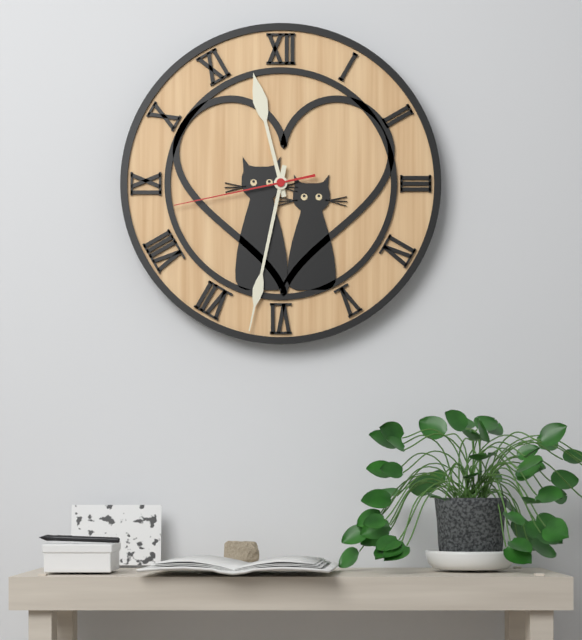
11:32:43
